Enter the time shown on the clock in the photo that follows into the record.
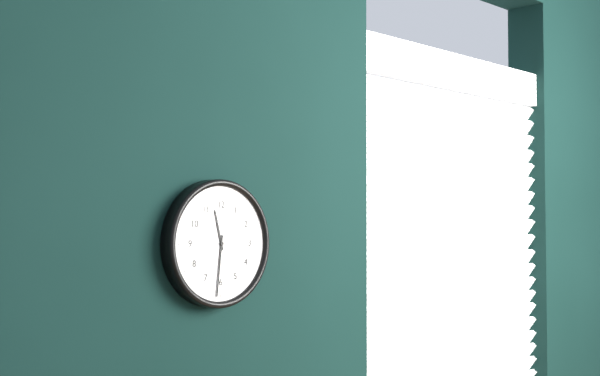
11:31
